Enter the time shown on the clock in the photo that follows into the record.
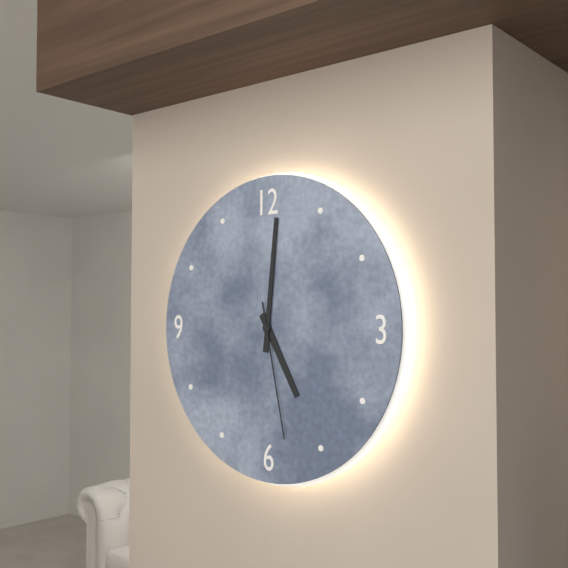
5:01:28
